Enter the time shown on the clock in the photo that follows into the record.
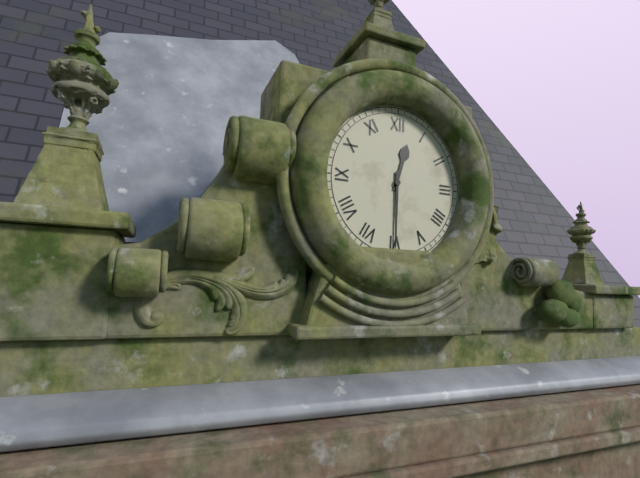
12:30
